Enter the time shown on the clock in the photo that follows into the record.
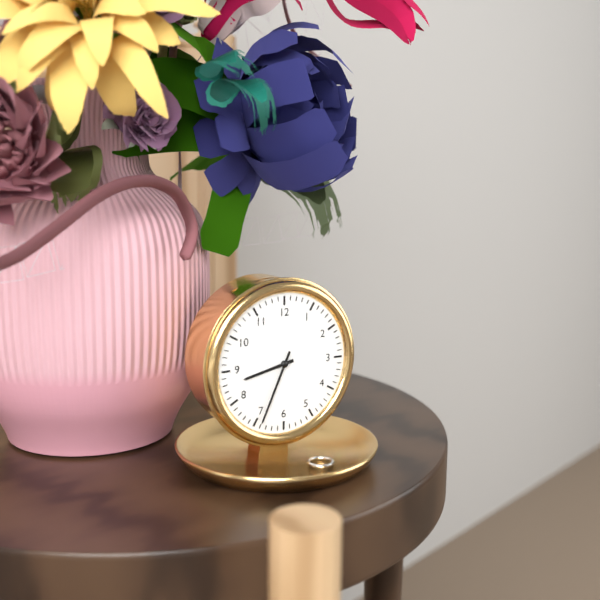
8:34
